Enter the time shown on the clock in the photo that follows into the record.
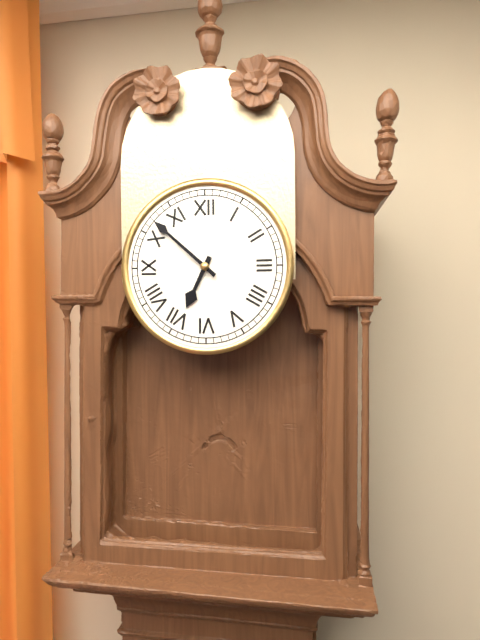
6:52
